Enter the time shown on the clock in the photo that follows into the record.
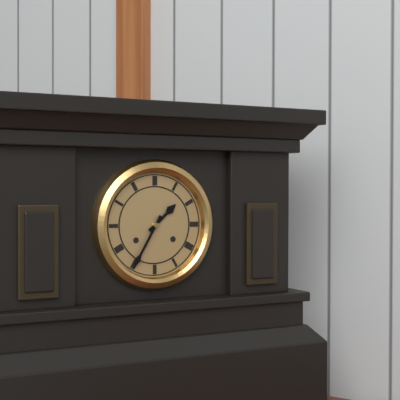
1:35
